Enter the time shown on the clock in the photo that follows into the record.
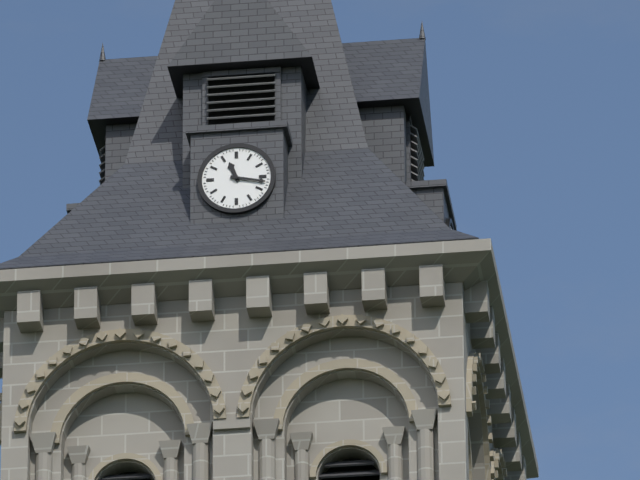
11:17
